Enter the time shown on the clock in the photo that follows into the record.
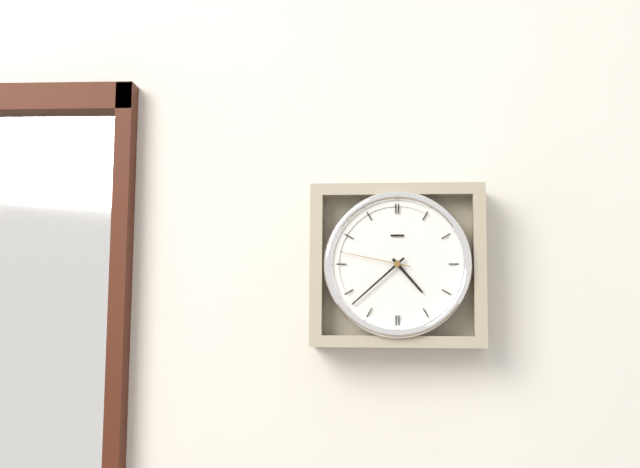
4:38:47
